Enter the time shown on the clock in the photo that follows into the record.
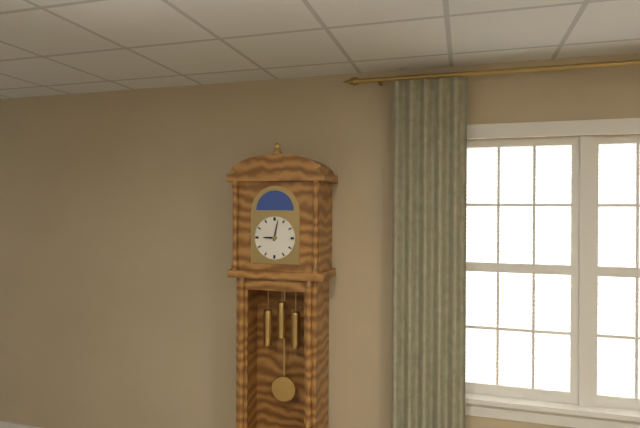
9:02
